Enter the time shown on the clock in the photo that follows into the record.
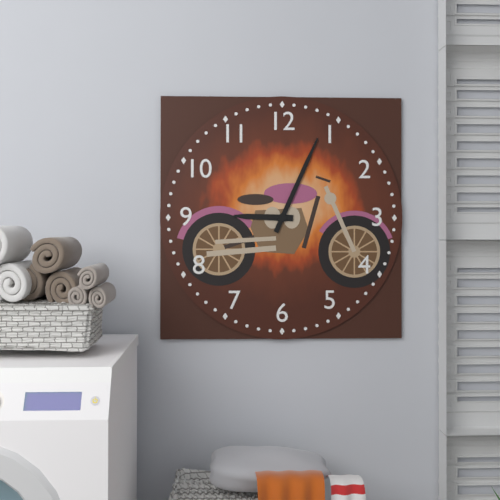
9:04
